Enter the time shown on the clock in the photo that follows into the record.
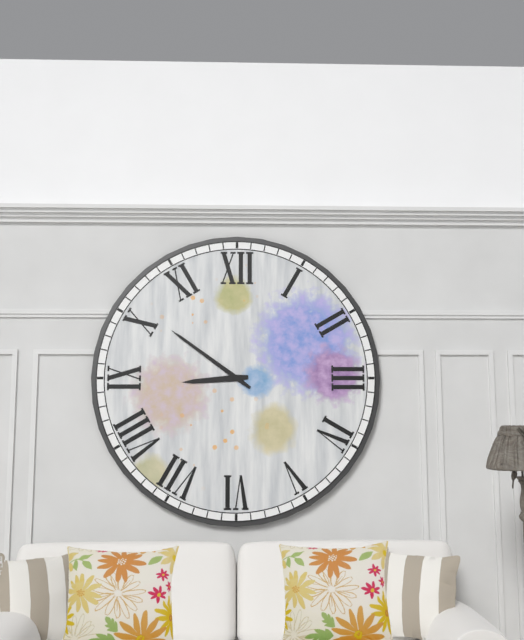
8:51
